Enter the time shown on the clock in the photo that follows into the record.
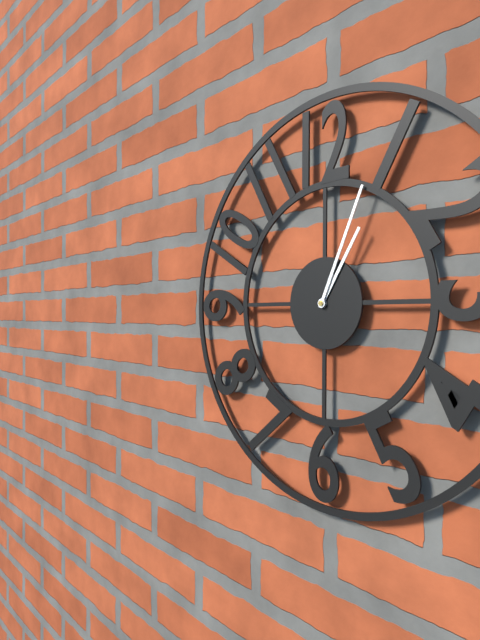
1:04
